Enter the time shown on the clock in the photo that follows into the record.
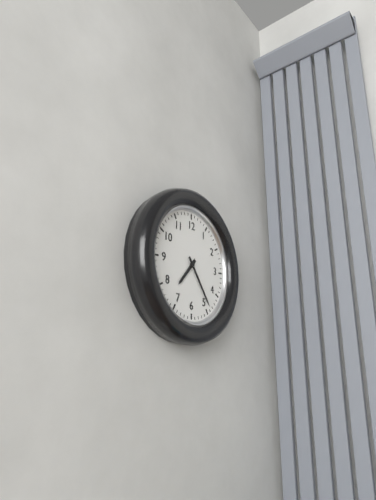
7:24
